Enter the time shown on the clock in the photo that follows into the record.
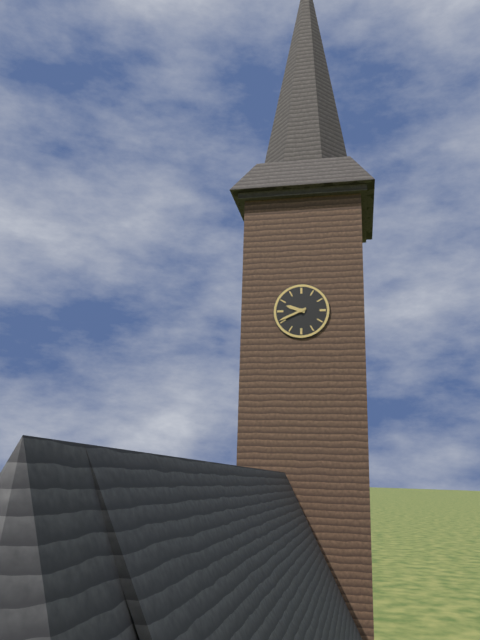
9:41
